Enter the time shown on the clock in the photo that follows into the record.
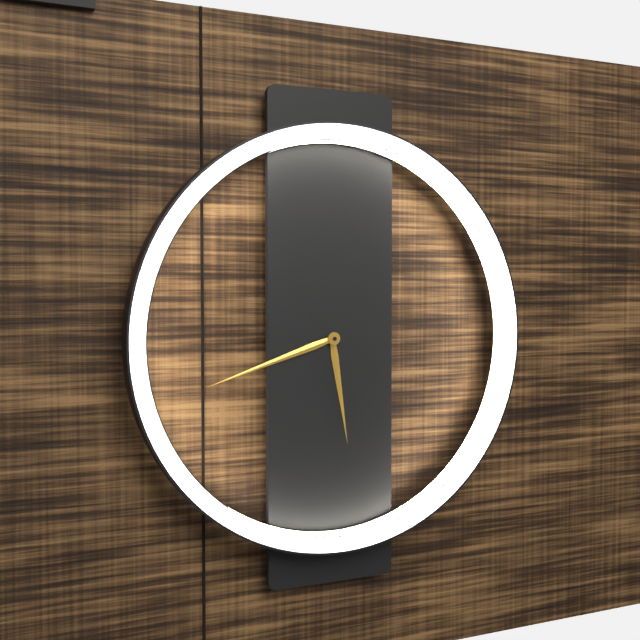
5:42
